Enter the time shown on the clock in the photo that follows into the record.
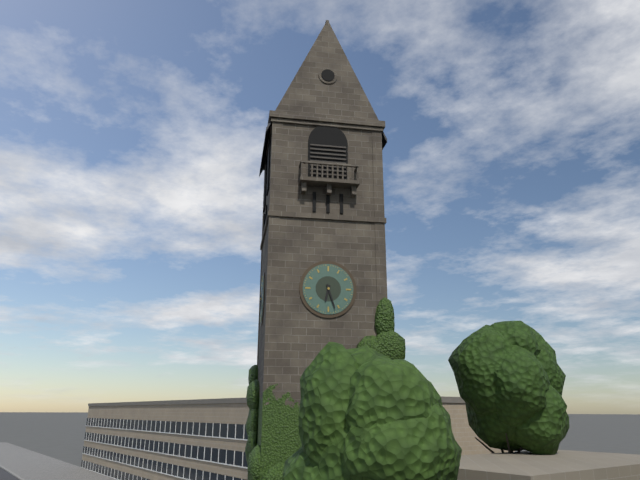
6:27
